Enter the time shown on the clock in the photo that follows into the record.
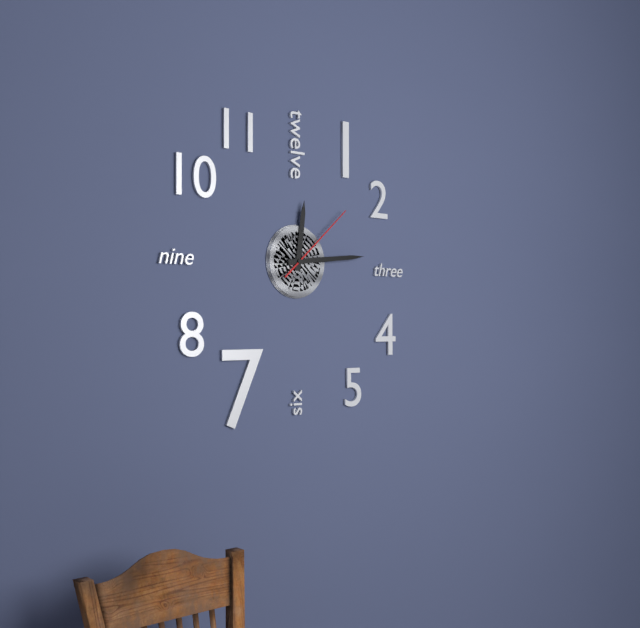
12:14:08
